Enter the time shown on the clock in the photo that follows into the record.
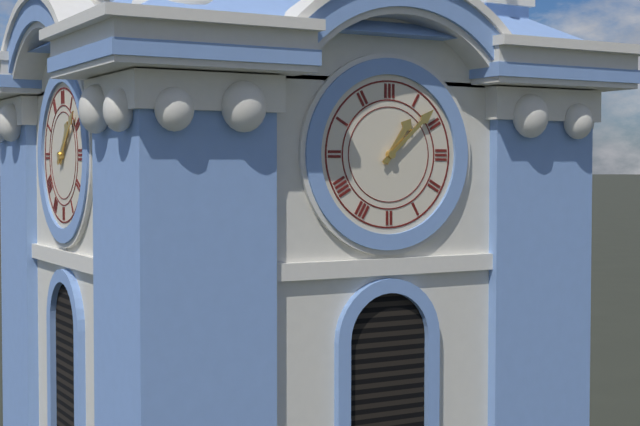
1:08
